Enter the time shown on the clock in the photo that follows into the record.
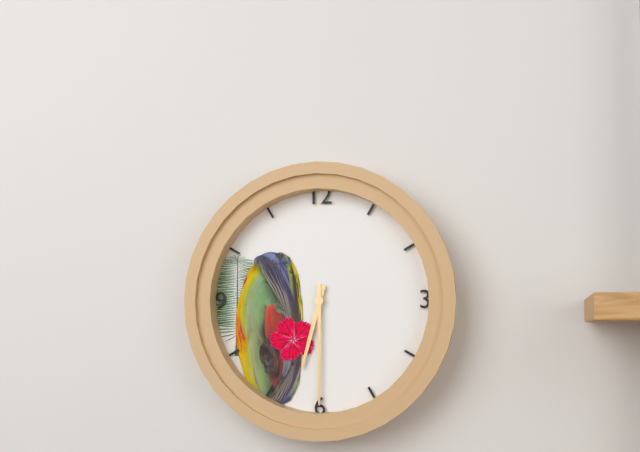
6:30
